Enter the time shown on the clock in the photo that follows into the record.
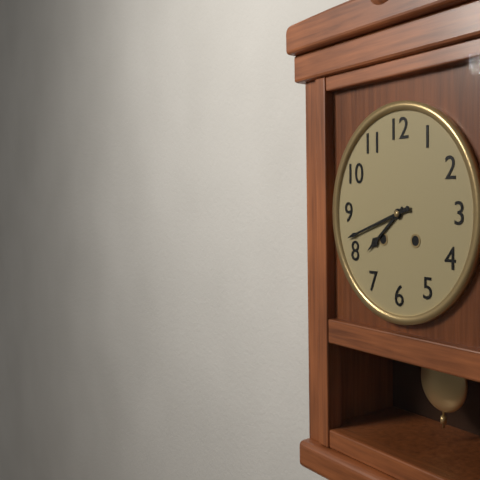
7:42
